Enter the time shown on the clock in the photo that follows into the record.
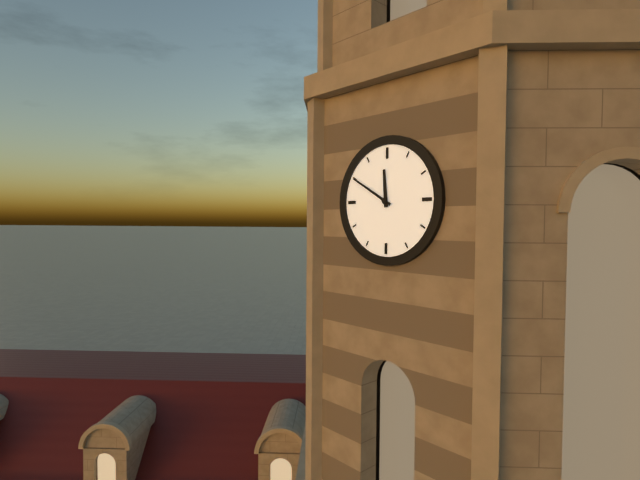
11:50
